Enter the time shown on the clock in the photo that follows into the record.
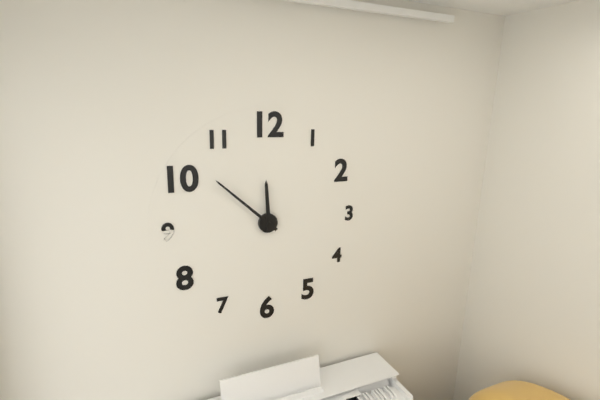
11:52
